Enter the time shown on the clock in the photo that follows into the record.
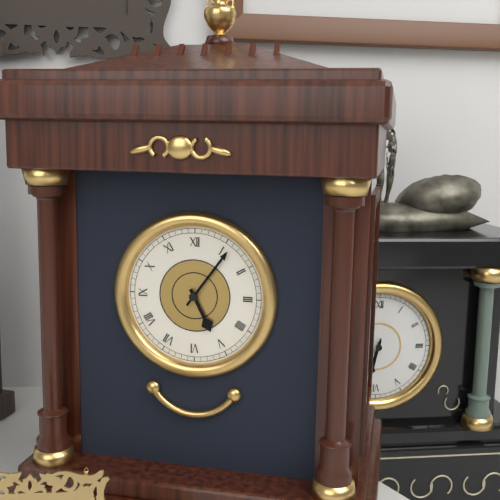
5:06
